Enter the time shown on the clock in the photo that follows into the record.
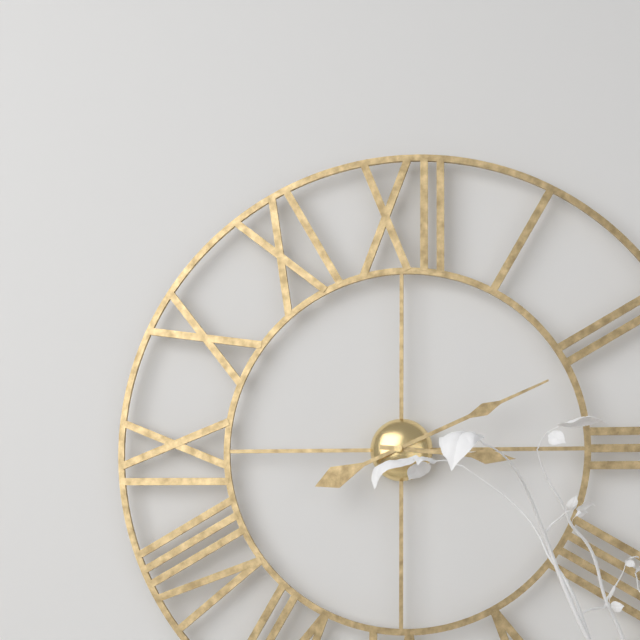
3:11
